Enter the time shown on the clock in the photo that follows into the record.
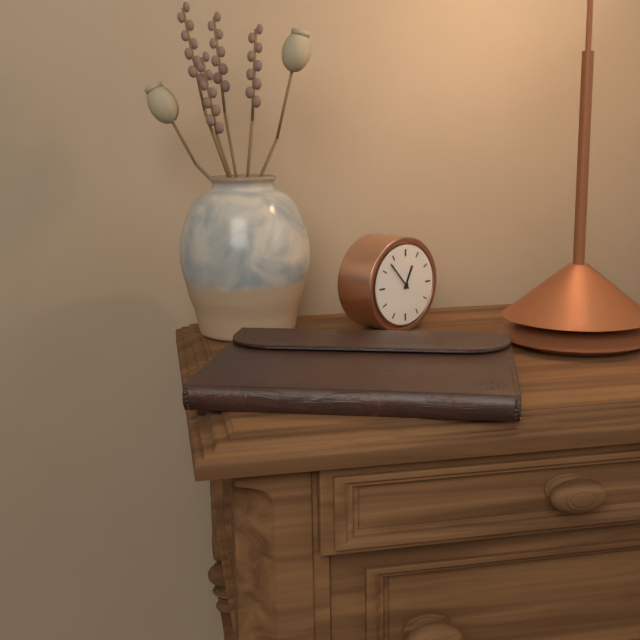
12:53
